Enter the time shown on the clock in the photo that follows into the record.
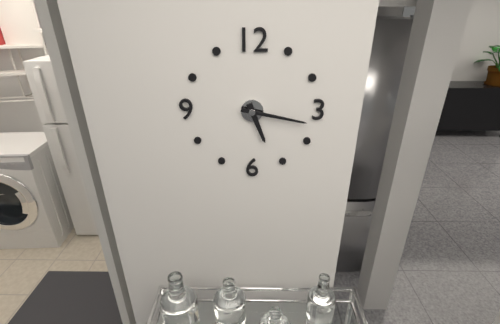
5:17
